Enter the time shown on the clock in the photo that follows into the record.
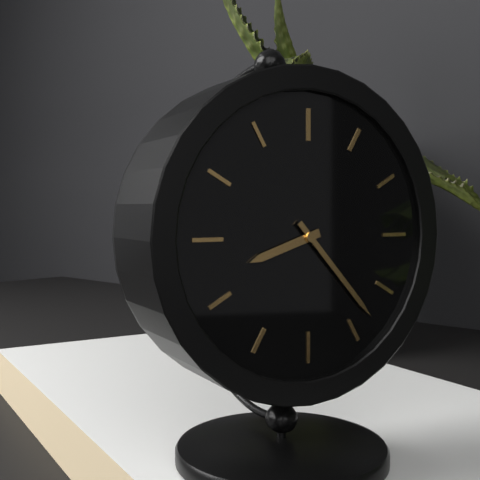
8:23
